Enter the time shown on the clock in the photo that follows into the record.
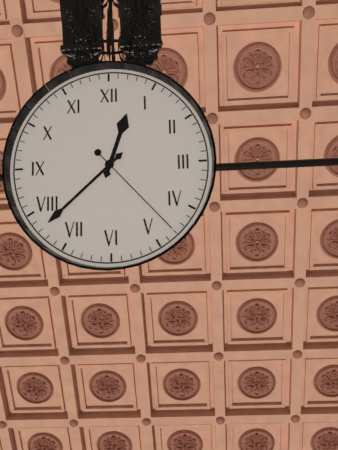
12:38:23
